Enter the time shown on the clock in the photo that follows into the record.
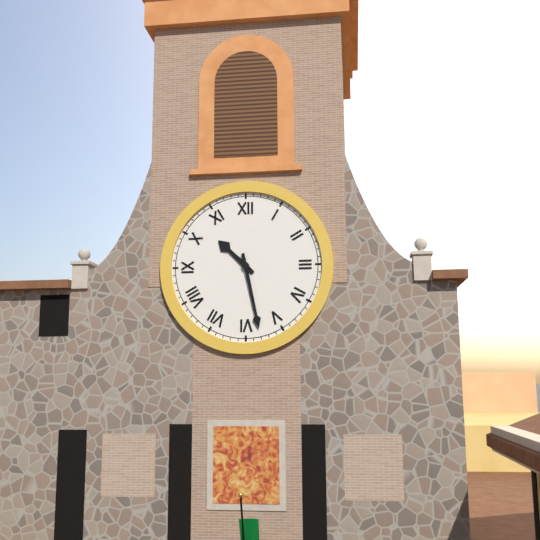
10:28
